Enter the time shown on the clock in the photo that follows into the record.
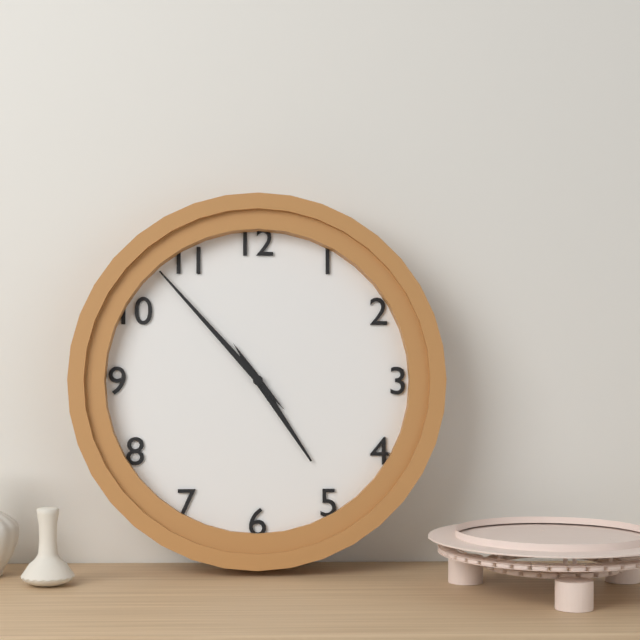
4:53
